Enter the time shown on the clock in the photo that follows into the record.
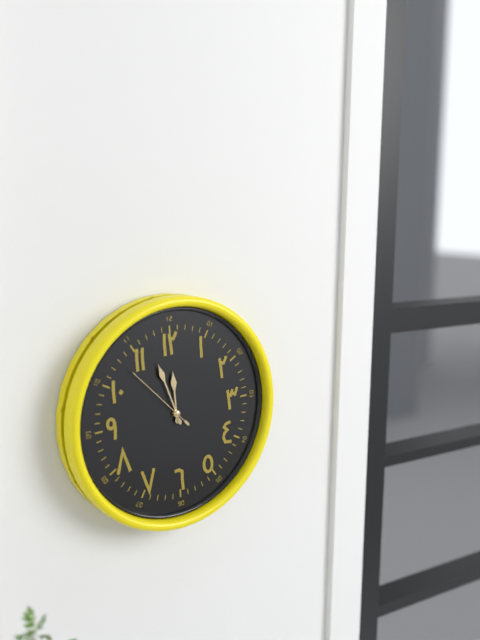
11:57:53
